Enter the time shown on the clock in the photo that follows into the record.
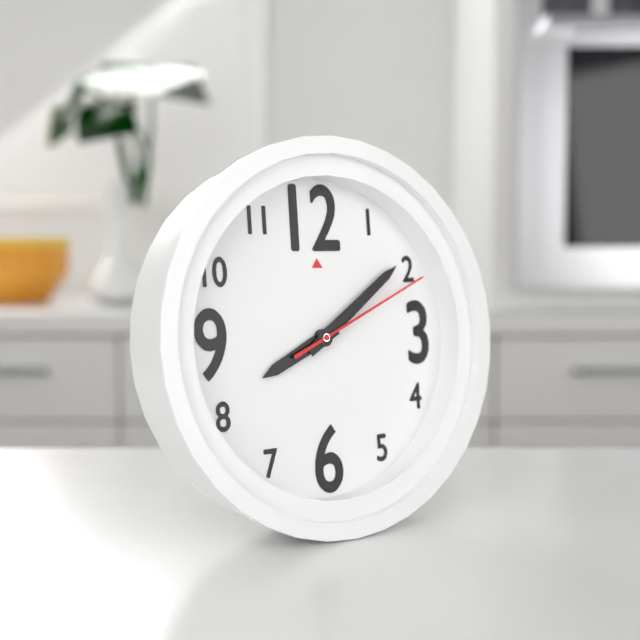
8:09:11
